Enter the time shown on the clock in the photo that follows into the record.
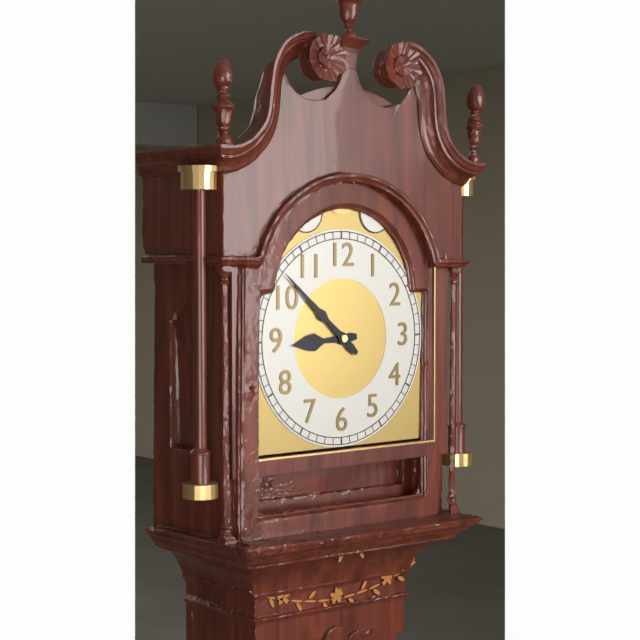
8:52
